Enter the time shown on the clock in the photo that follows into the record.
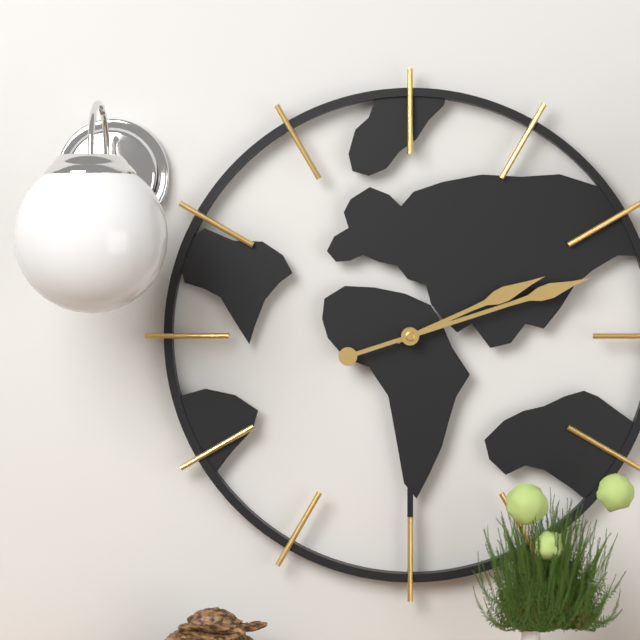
2:12
